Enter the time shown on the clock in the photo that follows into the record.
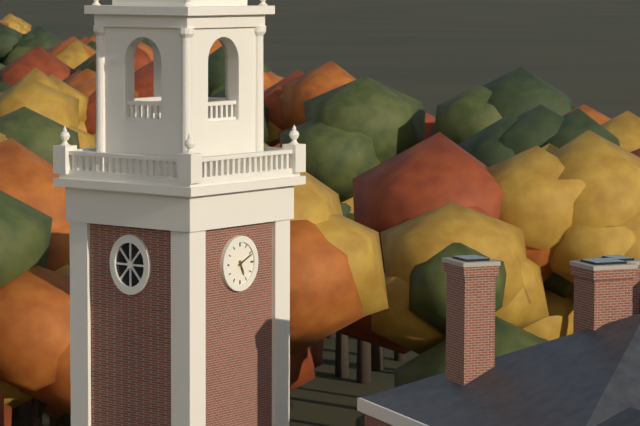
5:11
